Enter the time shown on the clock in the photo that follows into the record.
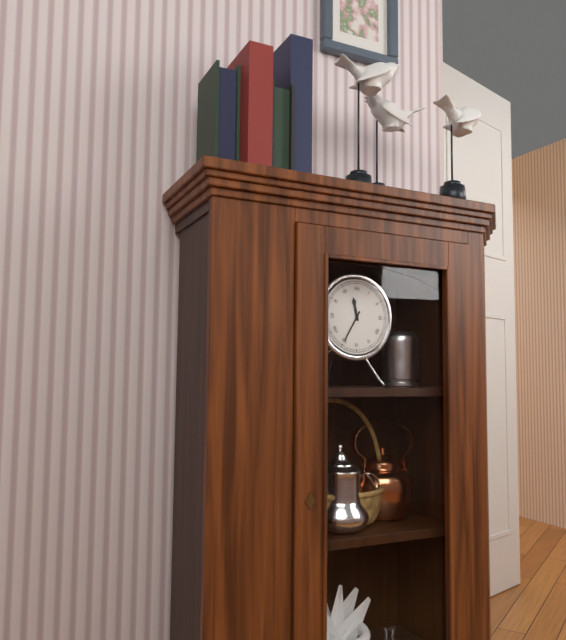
11:35
